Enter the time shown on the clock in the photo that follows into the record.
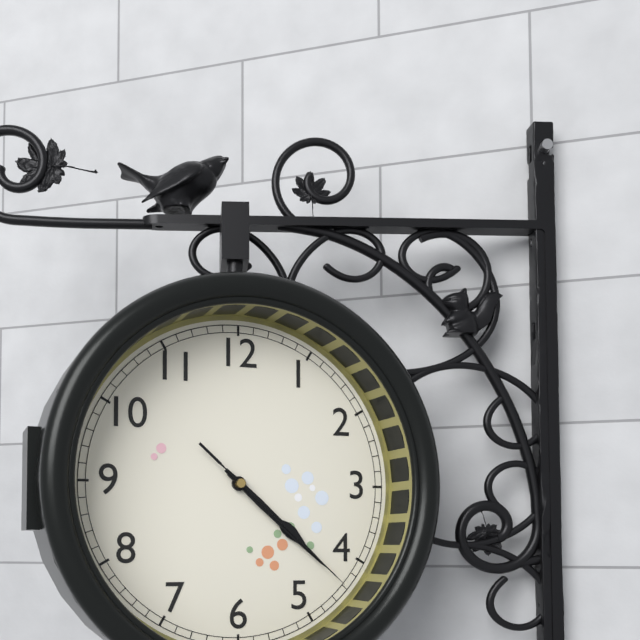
4:22:22
